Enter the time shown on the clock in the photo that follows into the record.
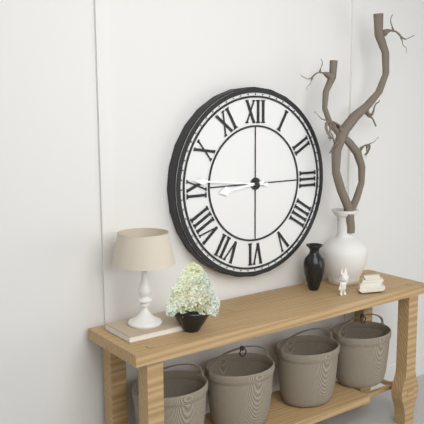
8:46
